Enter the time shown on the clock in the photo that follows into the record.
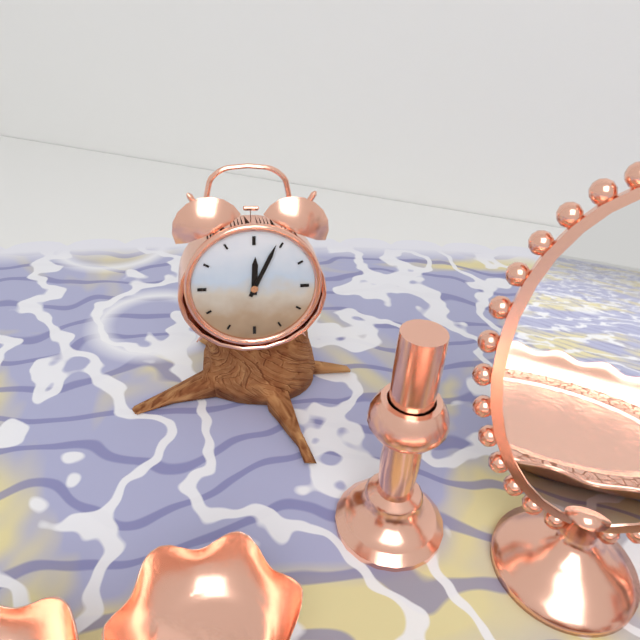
12:04
